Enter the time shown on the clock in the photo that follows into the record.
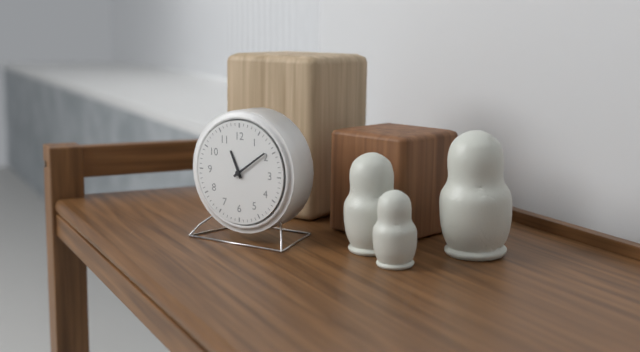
11:09
